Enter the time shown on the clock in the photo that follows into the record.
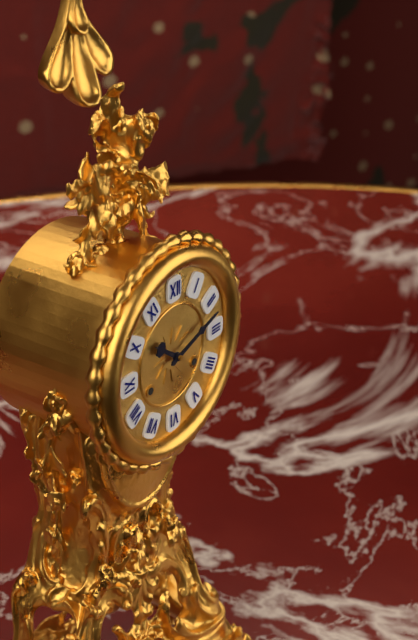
10:12
